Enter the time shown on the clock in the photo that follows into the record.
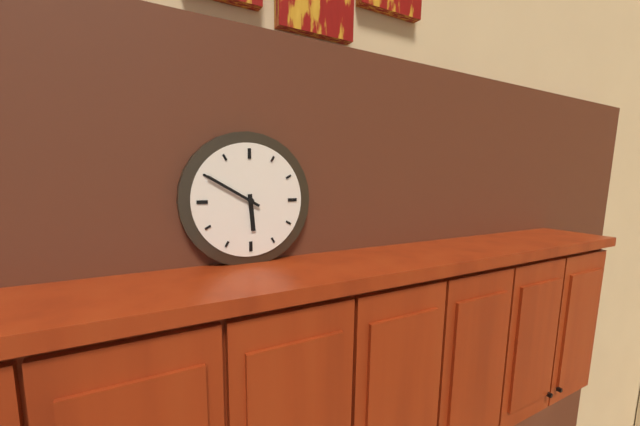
5:50
